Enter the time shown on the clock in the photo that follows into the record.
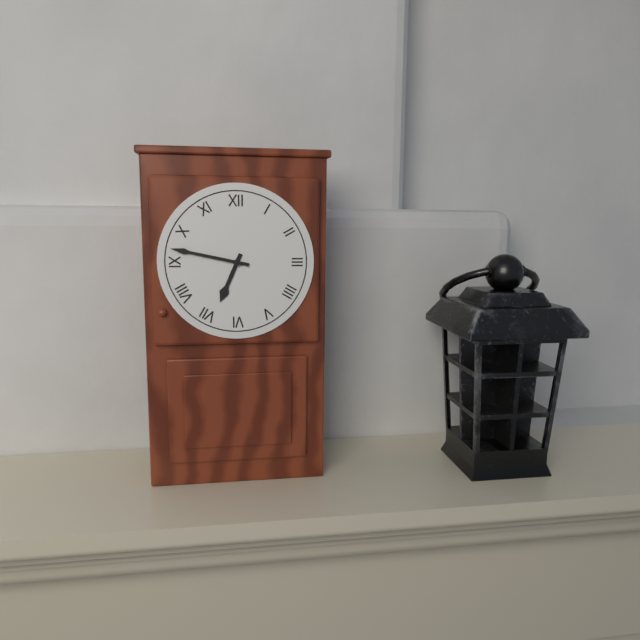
6:47
